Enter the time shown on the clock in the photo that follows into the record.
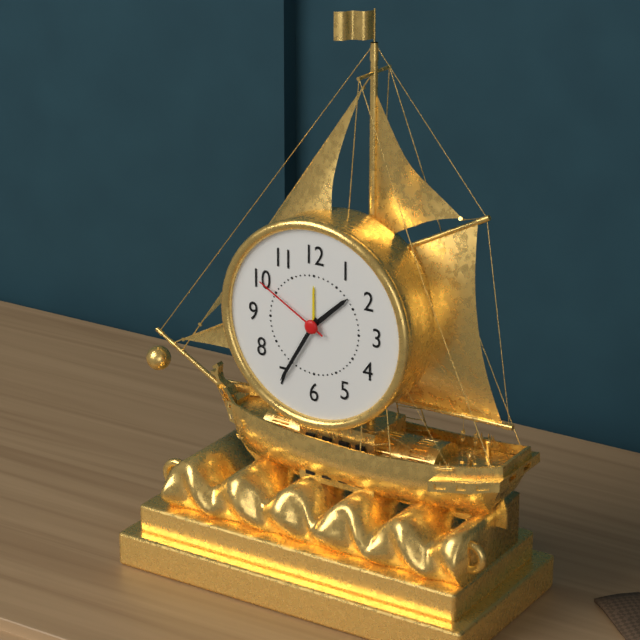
1:35:50
